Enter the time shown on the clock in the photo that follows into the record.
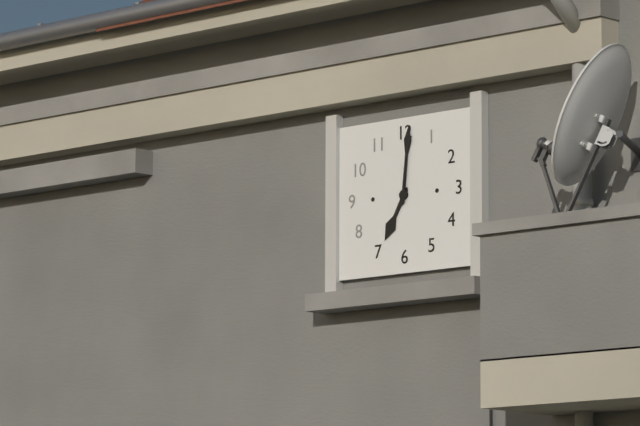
7:01
